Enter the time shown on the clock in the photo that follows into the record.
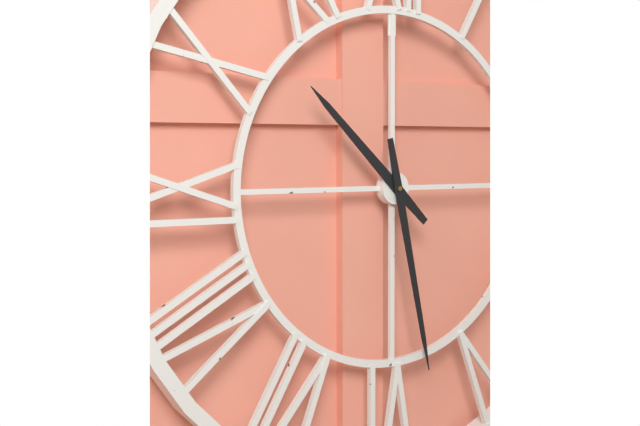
10:28
